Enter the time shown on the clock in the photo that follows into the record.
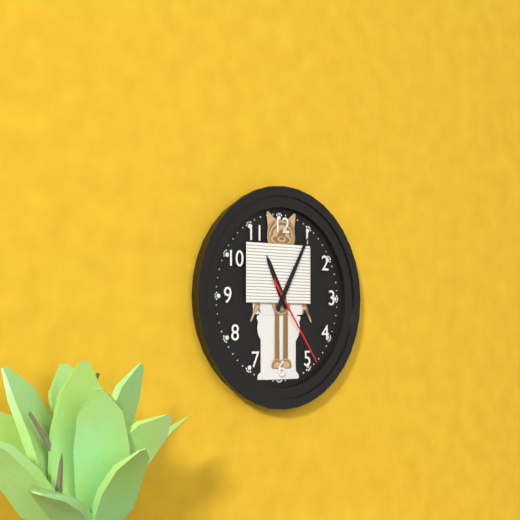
11:05:24
